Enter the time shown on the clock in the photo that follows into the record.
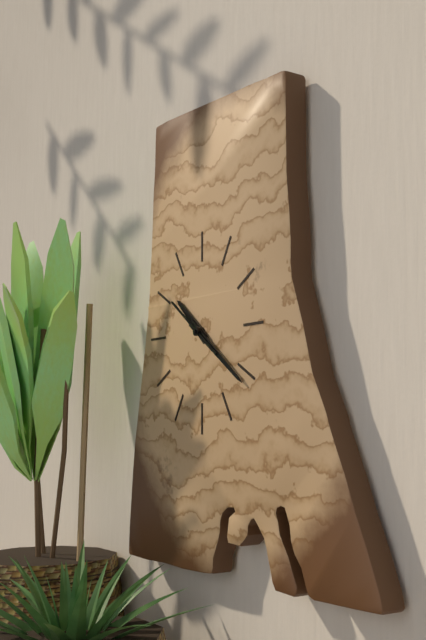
10:21:51
